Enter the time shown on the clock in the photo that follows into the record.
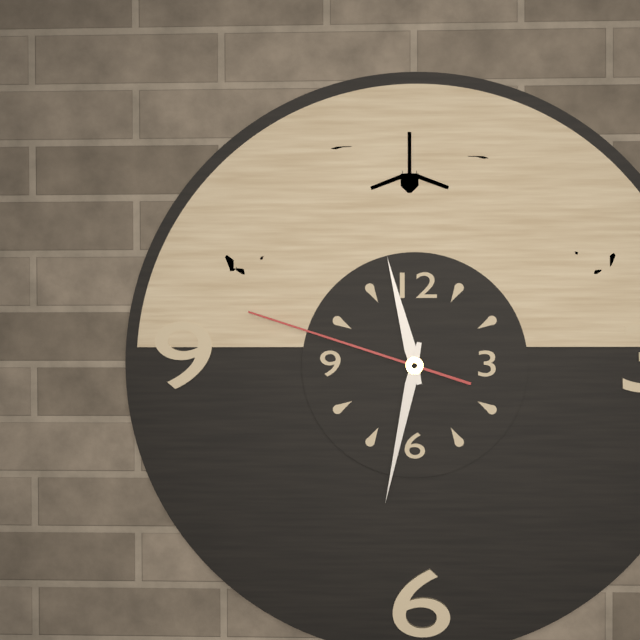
11:32:48
